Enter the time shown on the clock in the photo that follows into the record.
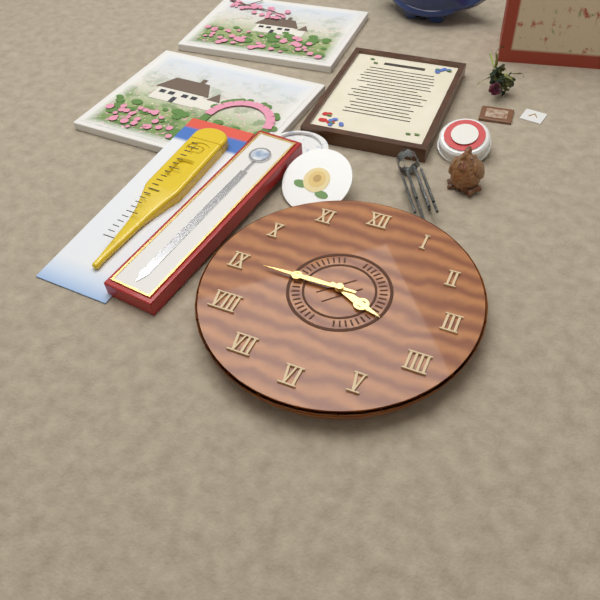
3:45
